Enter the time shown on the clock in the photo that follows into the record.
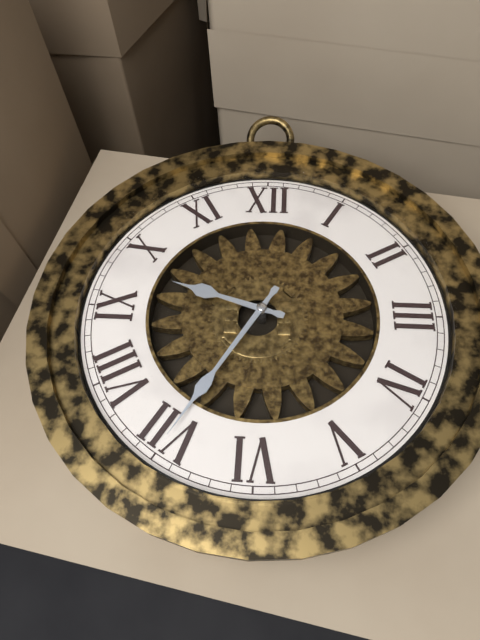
9:35
